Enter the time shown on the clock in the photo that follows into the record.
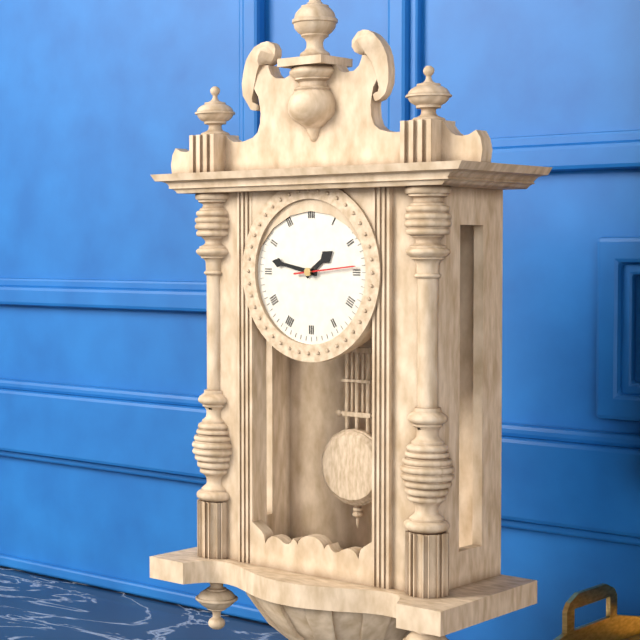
1:47:14
